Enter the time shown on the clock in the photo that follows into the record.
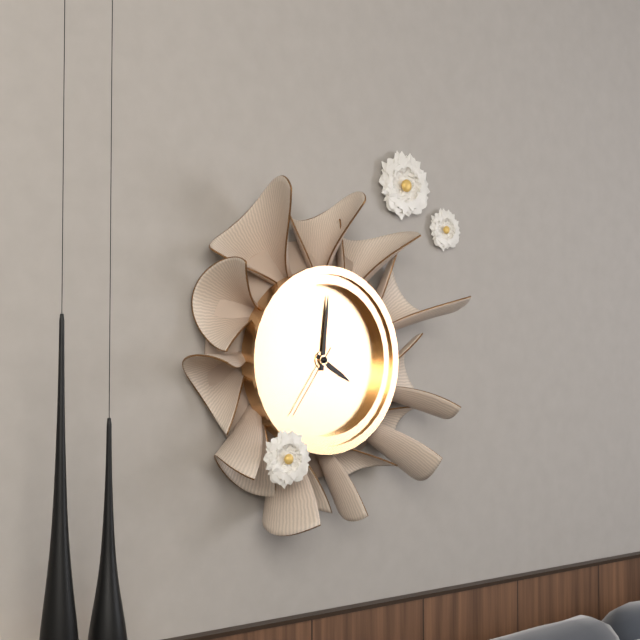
4:01:36
